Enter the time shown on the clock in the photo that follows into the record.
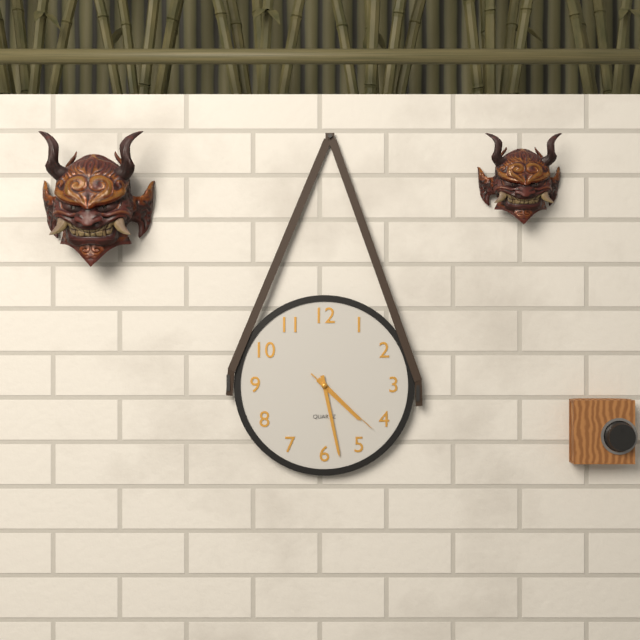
4:28:22
